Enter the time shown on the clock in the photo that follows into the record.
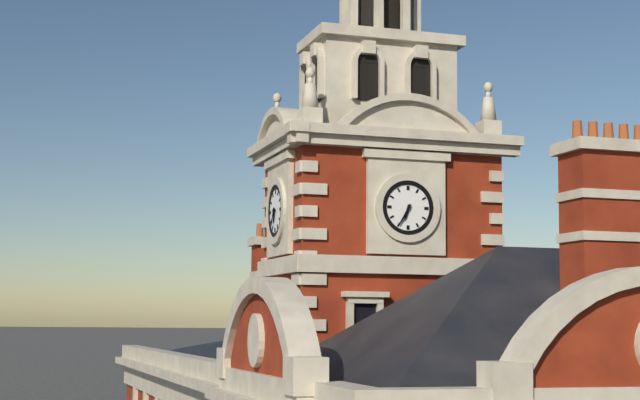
6:35
